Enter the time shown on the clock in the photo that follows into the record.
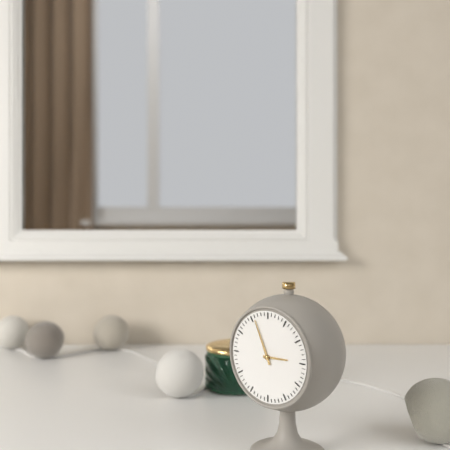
2:56
